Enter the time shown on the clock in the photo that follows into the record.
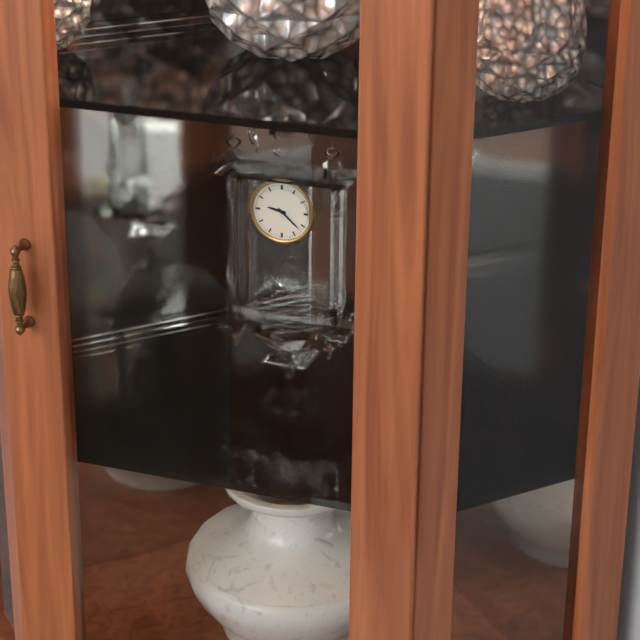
9:22
